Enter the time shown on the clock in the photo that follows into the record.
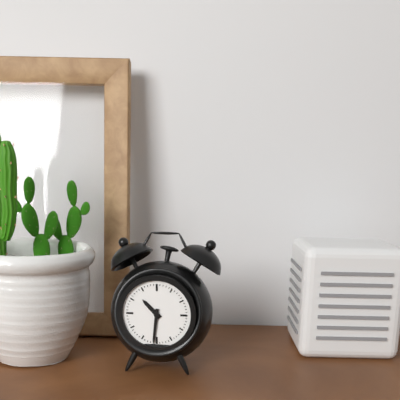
10:31
